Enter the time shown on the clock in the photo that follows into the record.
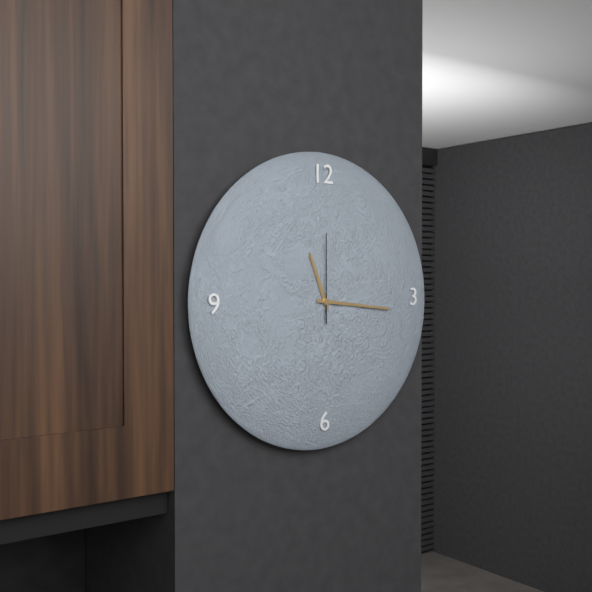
11:16:00
